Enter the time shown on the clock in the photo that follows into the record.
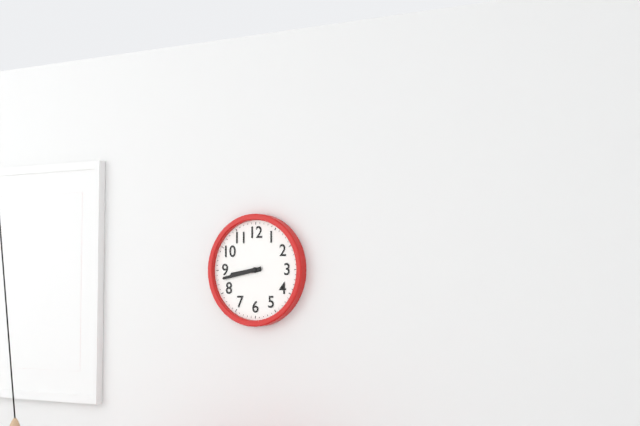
8:43
